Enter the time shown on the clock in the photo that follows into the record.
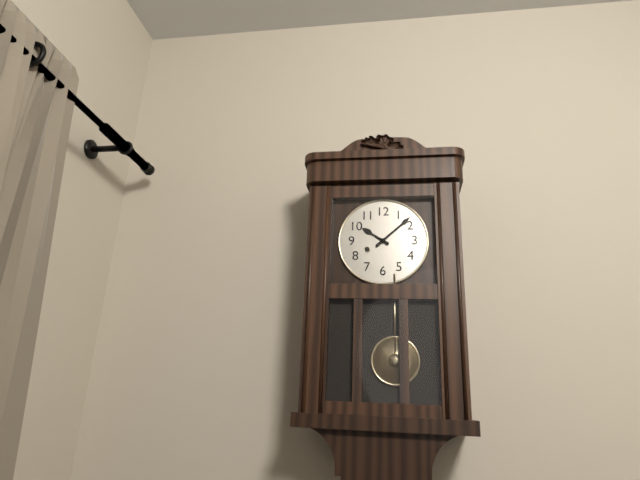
10:08
